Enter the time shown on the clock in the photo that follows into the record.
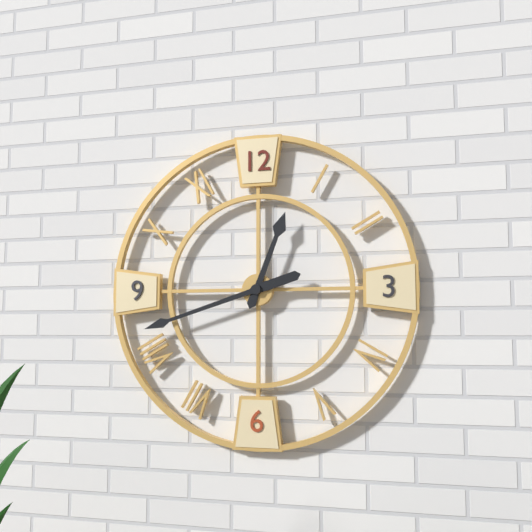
12:42
